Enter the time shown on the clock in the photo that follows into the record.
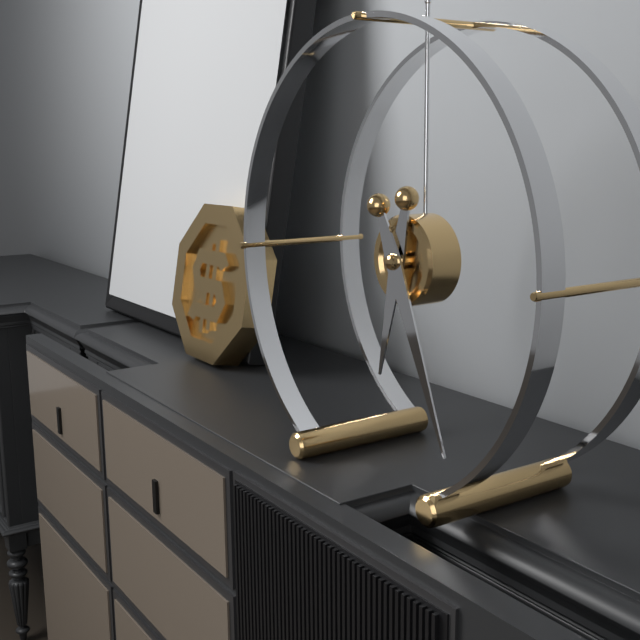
6:26
